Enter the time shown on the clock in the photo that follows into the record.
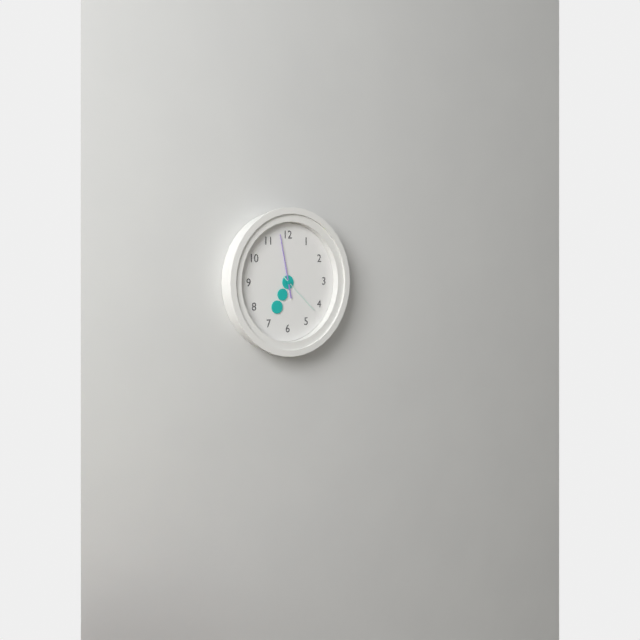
6:58
